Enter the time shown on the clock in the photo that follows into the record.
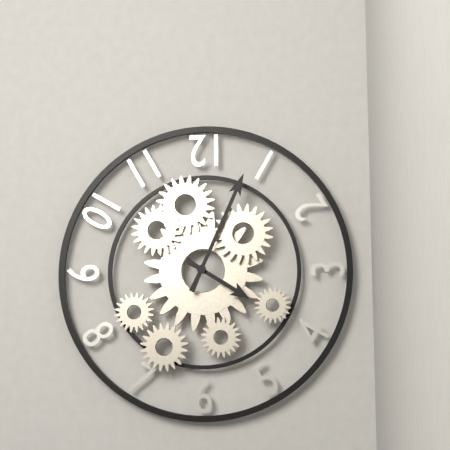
4:04
